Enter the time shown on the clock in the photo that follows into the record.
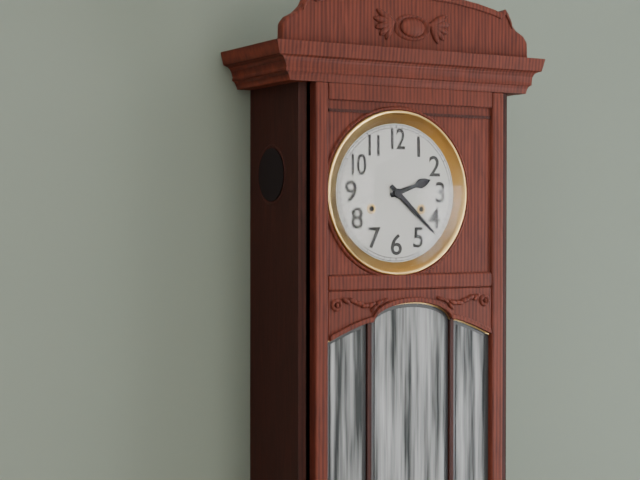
2:22
